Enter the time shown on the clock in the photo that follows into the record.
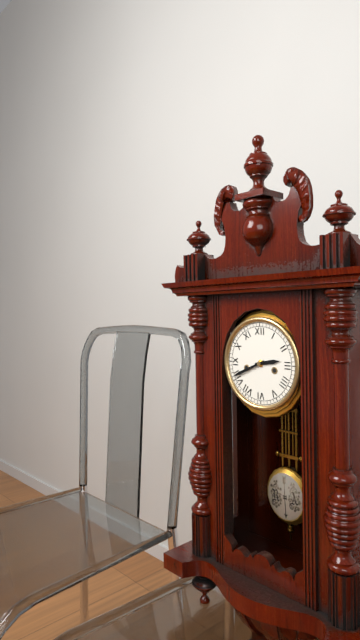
2:41
